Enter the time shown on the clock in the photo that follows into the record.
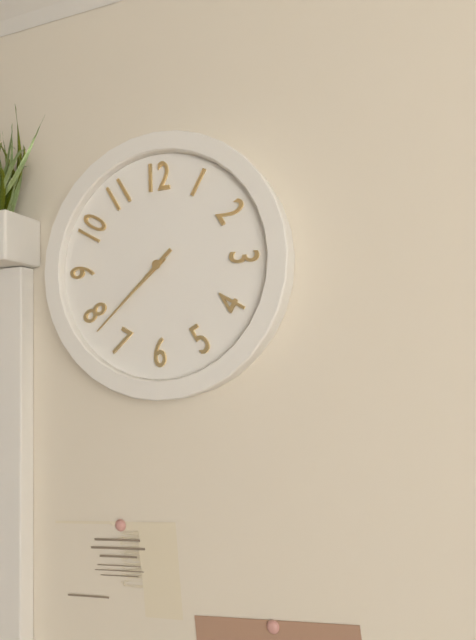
7:38
